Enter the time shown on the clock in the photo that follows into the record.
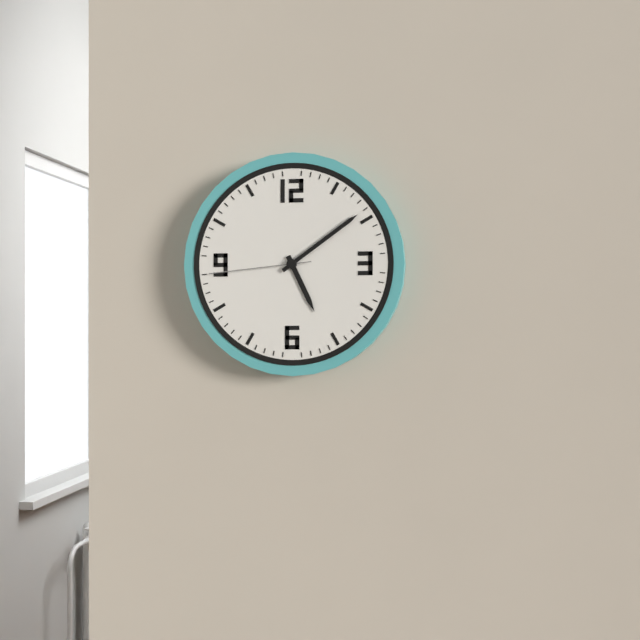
5:09:44
